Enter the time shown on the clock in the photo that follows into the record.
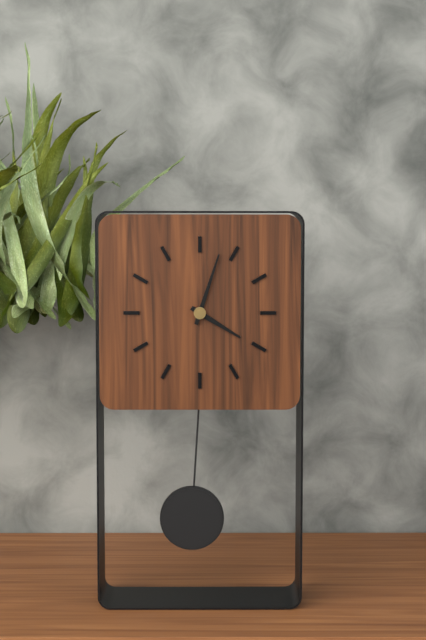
4:03
